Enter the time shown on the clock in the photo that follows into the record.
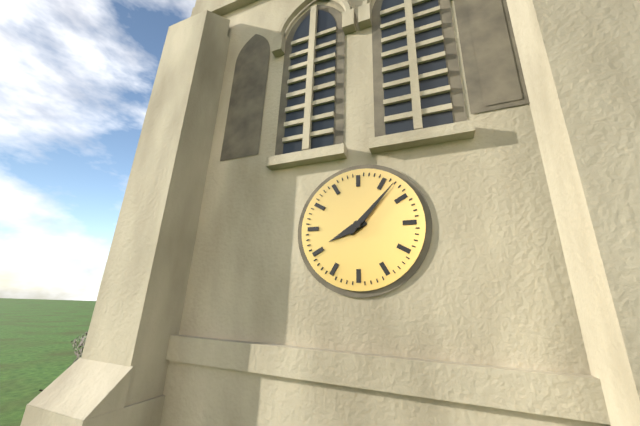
8:07
